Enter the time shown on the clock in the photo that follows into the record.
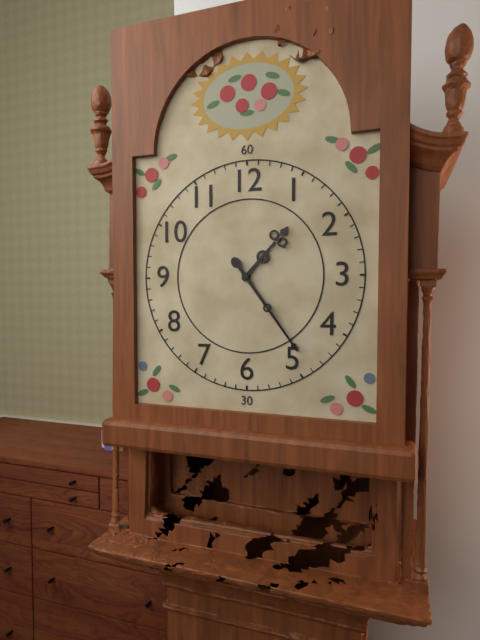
1:24
